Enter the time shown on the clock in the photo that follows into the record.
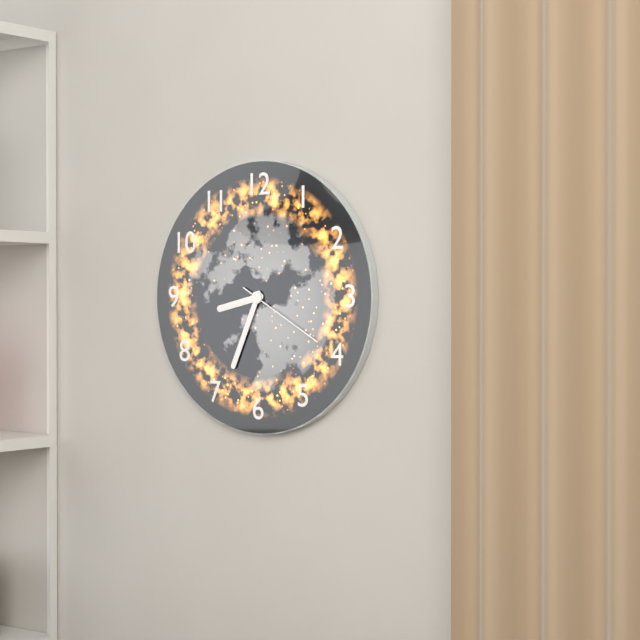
8:34:20
